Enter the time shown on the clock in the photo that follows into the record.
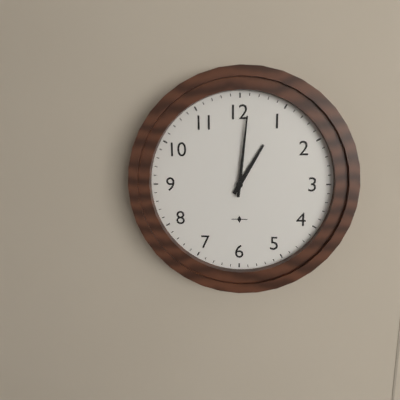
1:01
